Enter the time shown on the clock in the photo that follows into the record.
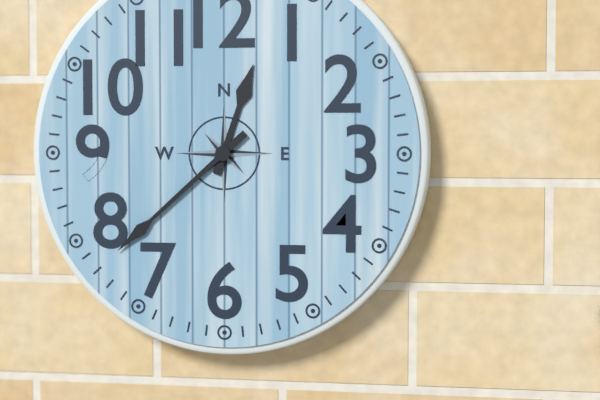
12:38
